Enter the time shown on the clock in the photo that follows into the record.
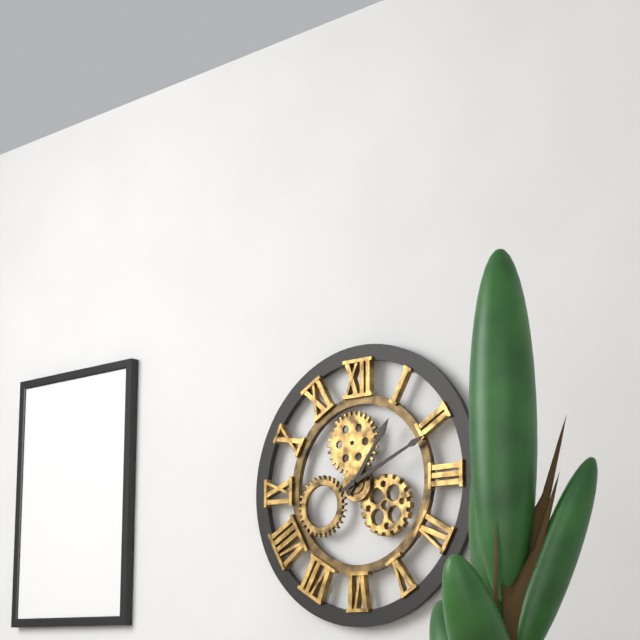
1:11
